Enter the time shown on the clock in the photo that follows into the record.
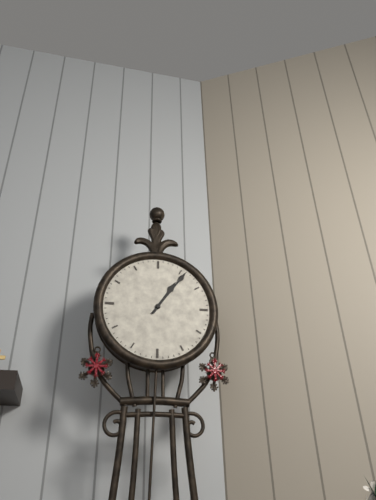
1:06
